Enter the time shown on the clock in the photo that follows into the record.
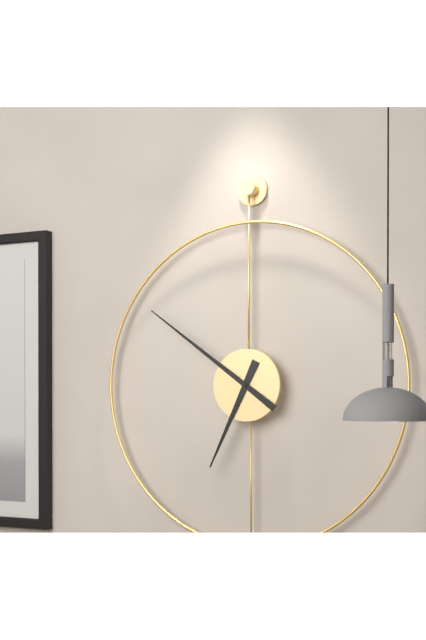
6:51
